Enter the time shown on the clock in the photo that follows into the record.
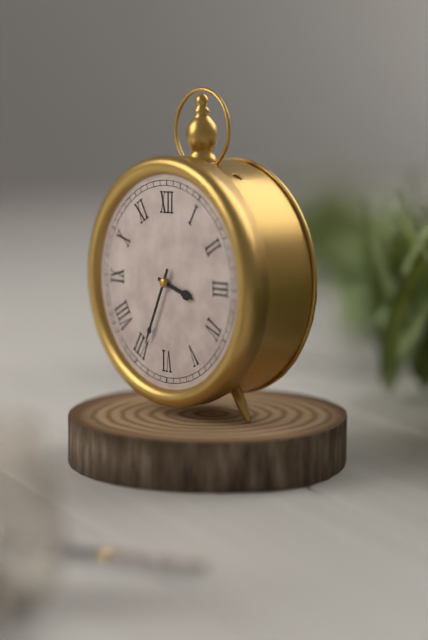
3:34
